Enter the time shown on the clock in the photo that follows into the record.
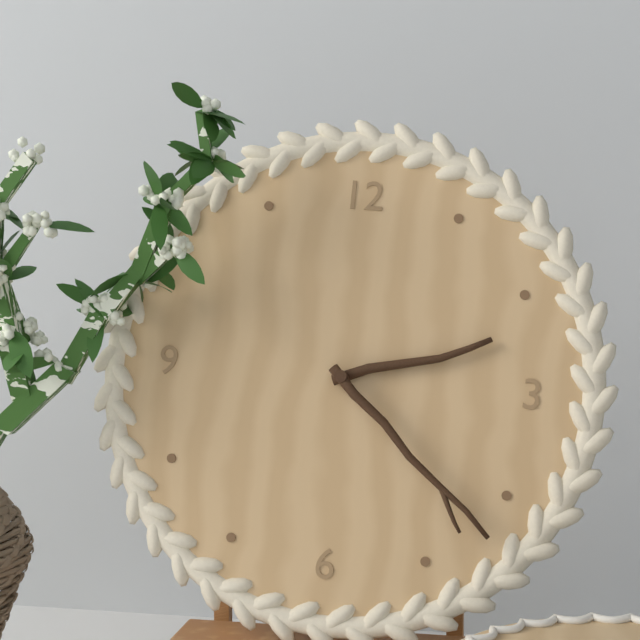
2:22
